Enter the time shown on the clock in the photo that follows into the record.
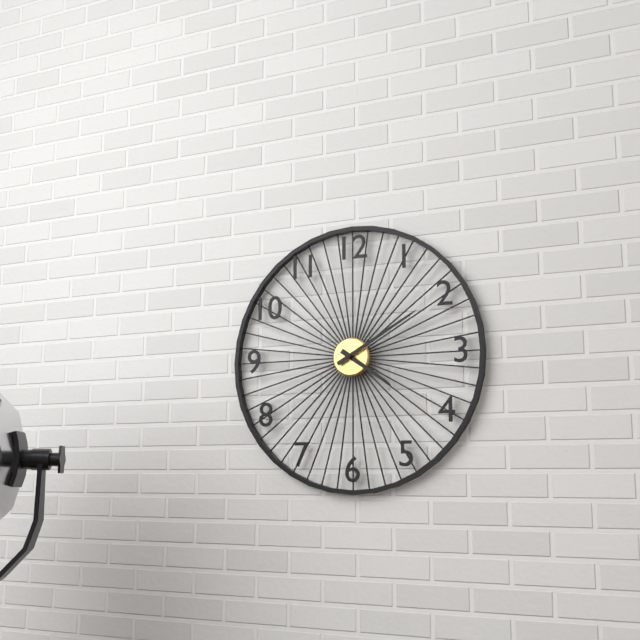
4:10
